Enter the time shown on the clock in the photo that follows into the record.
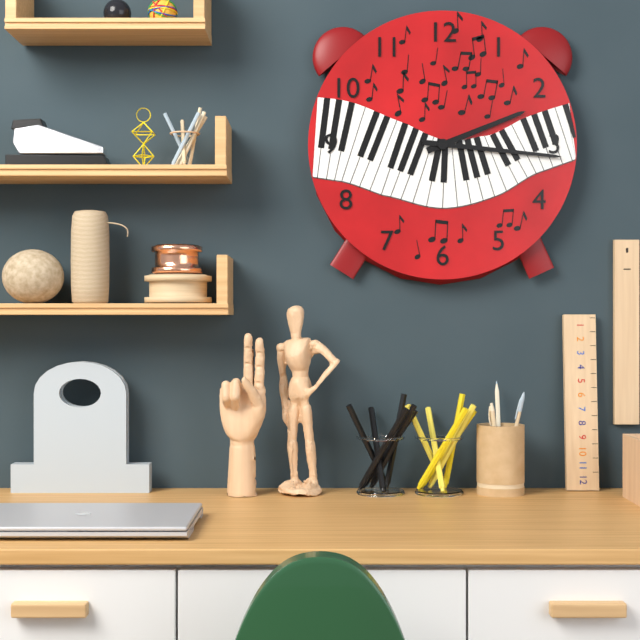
2:16
